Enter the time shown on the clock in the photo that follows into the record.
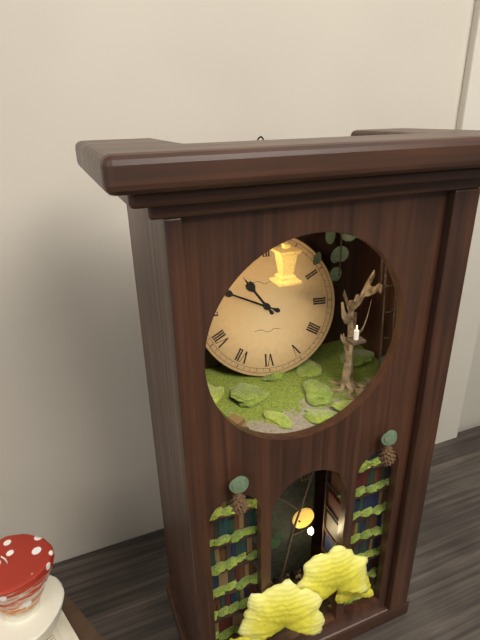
10:49
